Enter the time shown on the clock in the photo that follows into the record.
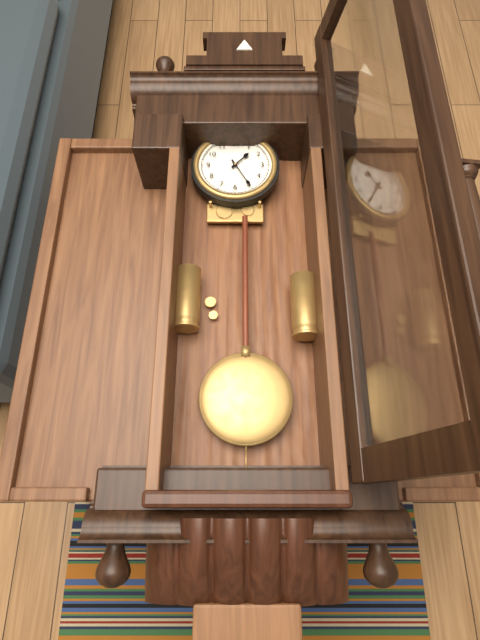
1:25
